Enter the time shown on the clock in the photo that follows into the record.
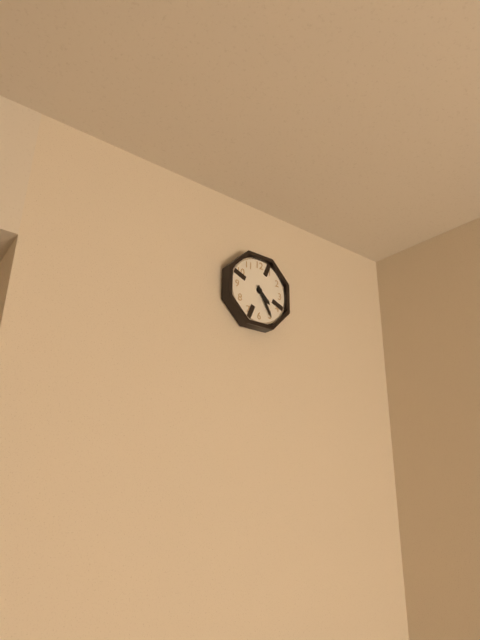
4:25
